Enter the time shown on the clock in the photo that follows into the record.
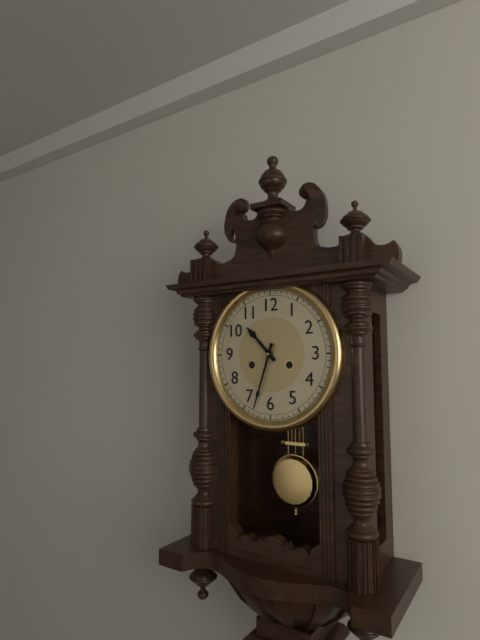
10:33
